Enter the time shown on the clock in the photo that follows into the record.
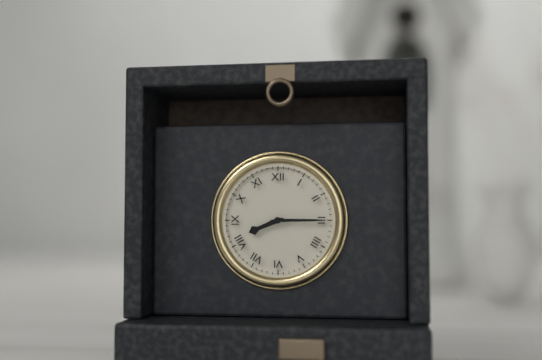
8:15
